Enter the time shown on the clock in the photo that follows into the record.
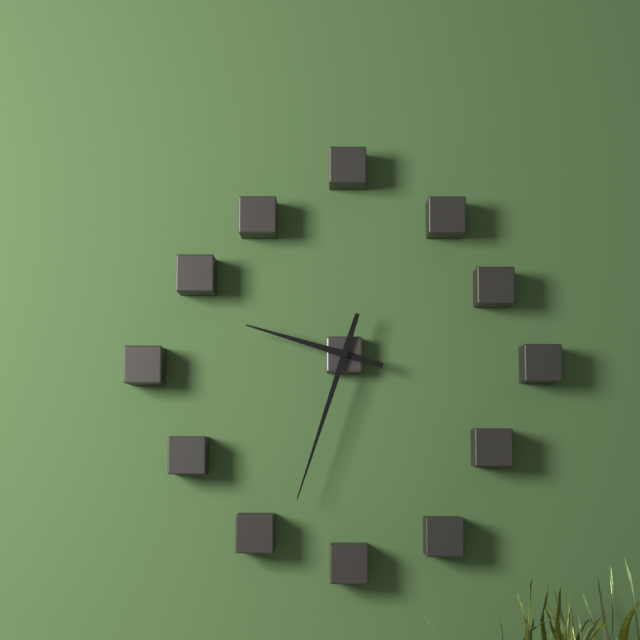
9:33
